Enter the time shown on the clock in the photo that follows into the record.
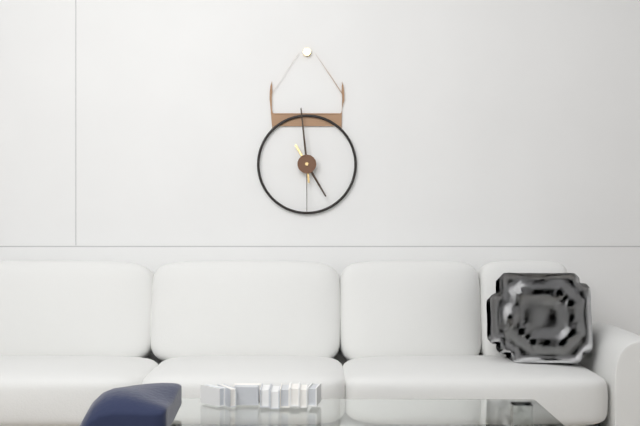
4:59:30
